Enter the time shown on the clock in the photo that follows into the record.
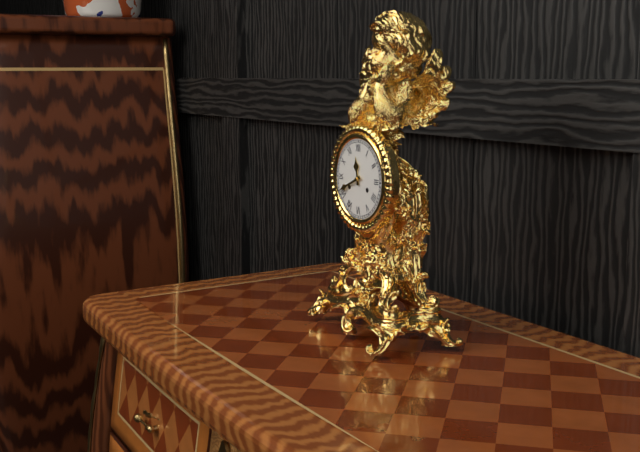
11:41
